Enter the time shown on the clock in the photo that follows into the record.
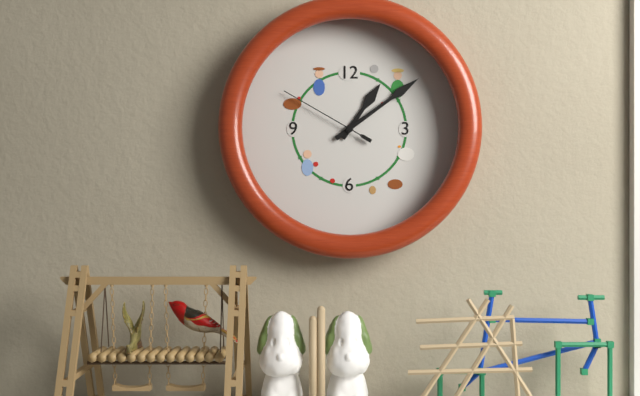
1:09:50
